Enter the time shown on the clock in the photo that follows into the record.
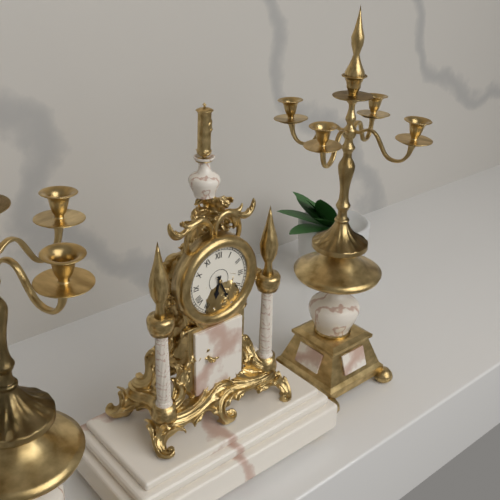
6:26
